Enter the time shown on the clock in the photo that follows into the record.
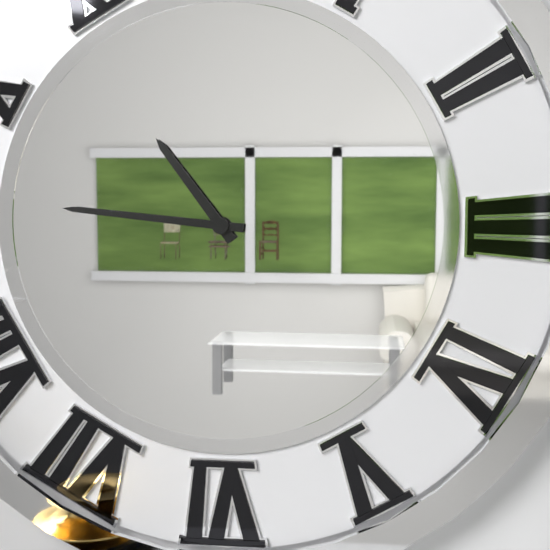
10:46
